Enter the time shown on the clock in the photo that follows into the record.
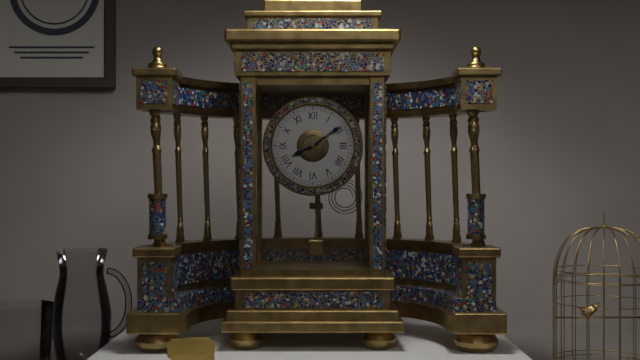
8:09
